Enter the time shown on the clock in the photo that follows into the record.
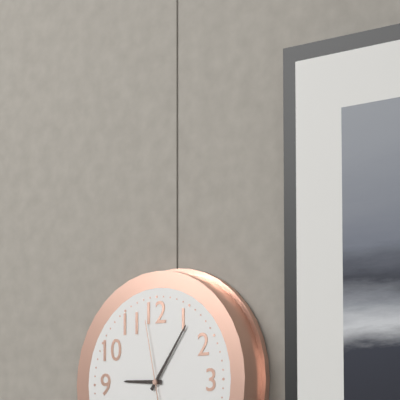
9:06:58
